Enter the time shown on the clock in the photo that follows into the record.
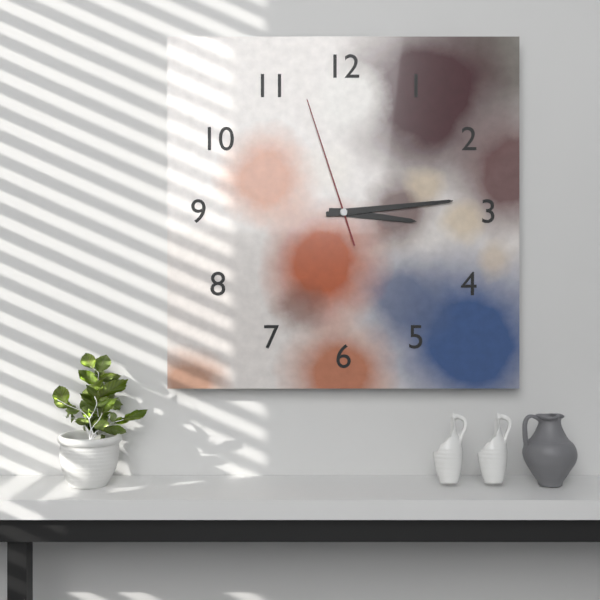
3:14:57
